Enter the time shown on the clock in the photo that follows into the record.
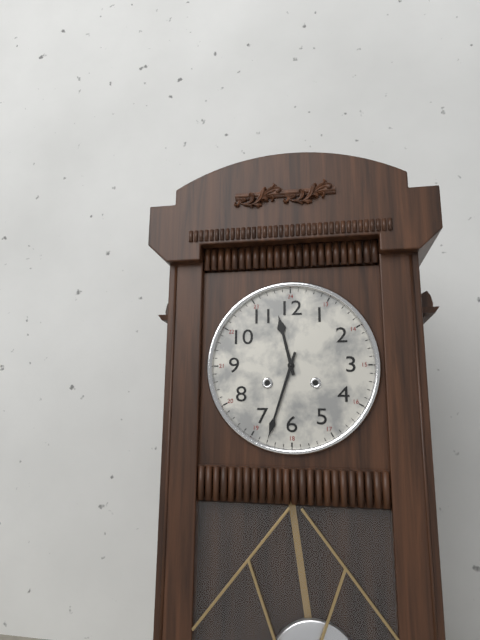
11:33
